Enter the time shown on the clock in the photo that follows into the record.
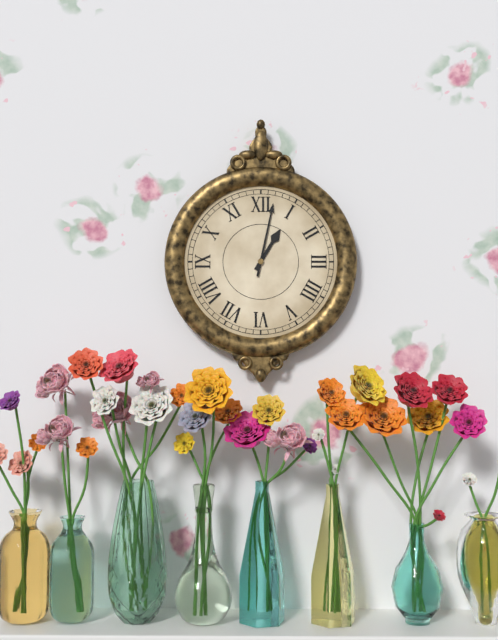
1:02
